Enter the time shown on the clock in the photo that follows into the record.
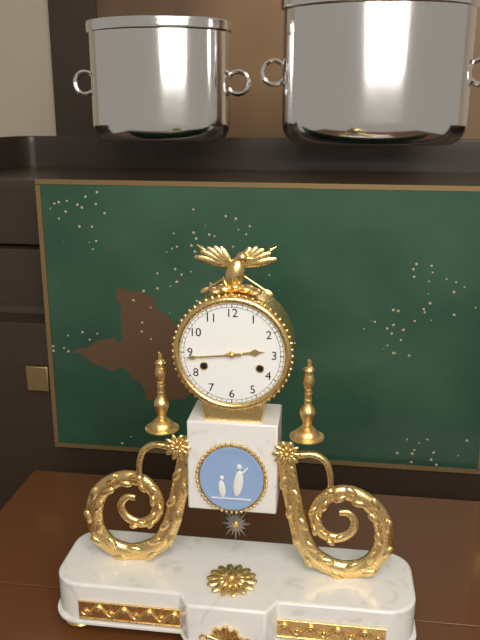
2:44
